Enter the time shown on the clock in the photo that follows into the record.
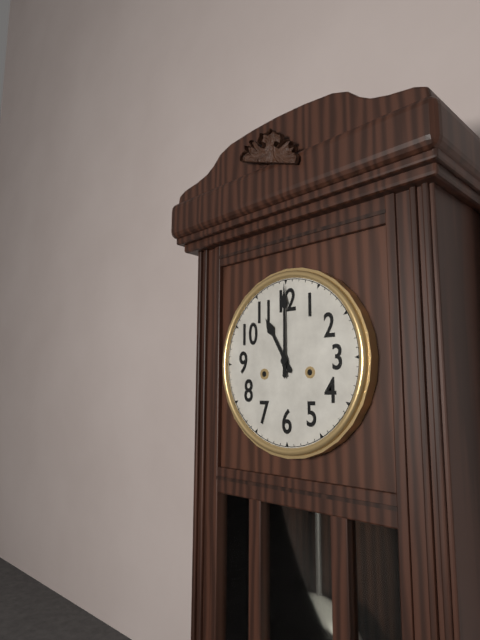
11:00
